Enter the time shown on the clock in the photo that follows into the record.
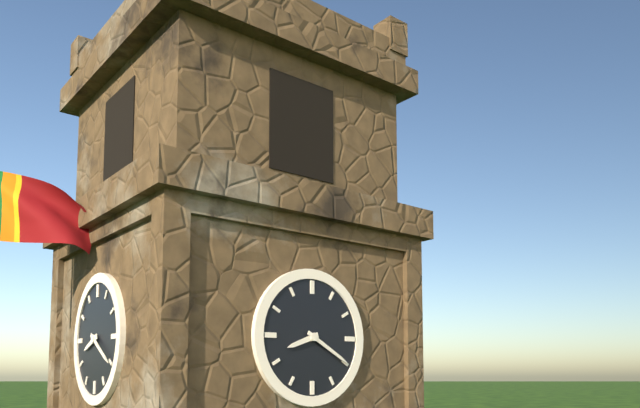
8:20
